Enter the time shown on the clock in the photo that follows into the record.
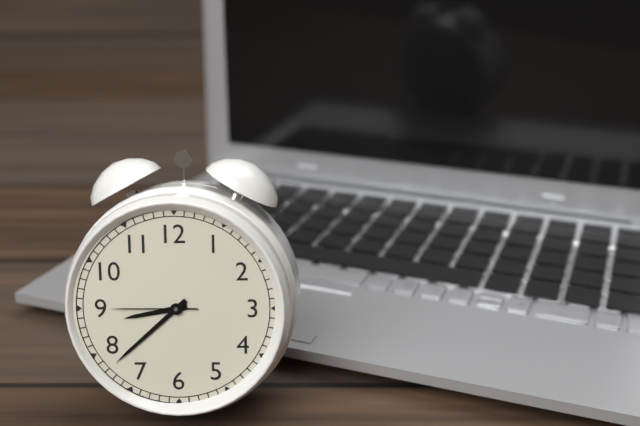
8:38:45
